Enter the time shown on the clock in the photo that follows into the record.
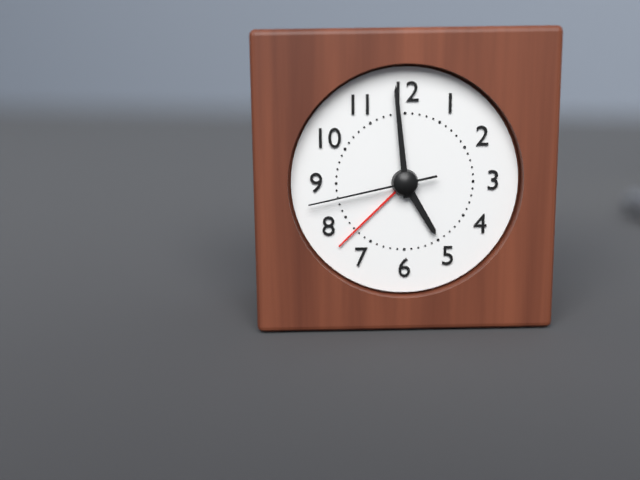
4:59:43
